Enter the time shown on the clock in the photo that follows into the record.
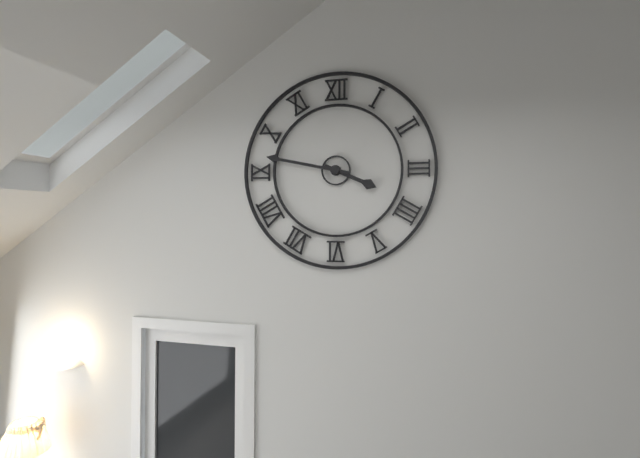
3:47
